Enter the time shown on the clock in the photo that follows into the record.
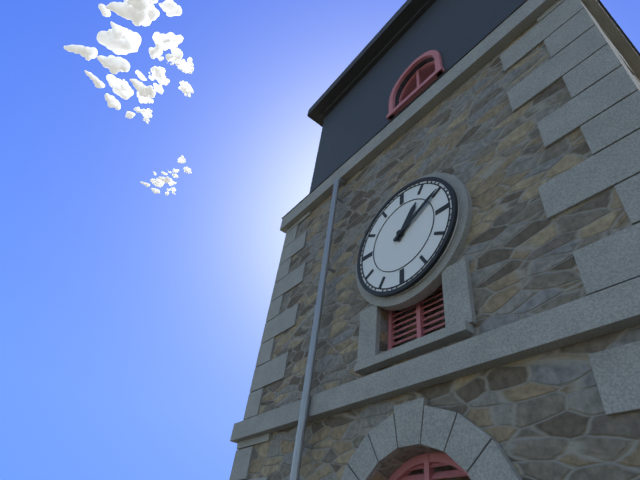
1:10
